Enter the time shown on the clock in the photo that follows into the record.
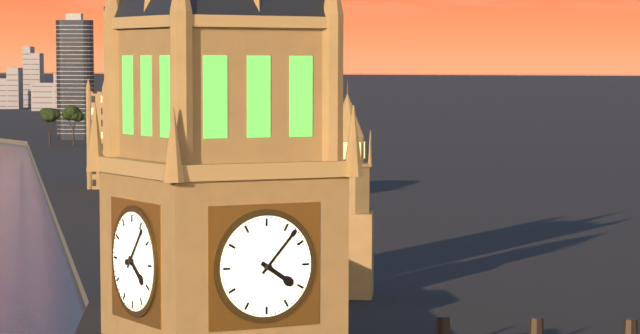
4:07
